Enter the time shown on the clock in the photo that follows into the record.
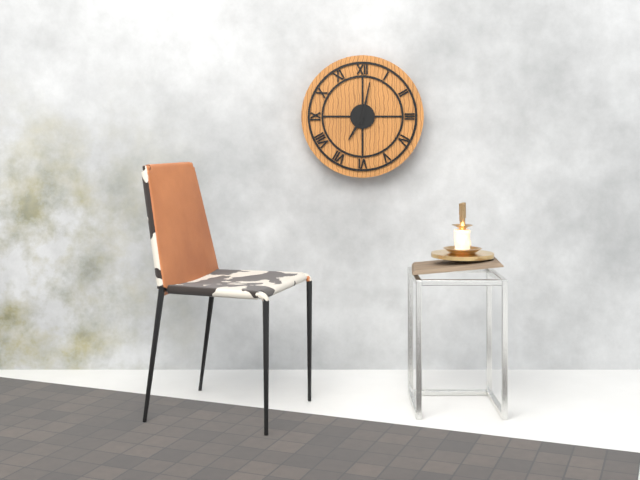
7:02
